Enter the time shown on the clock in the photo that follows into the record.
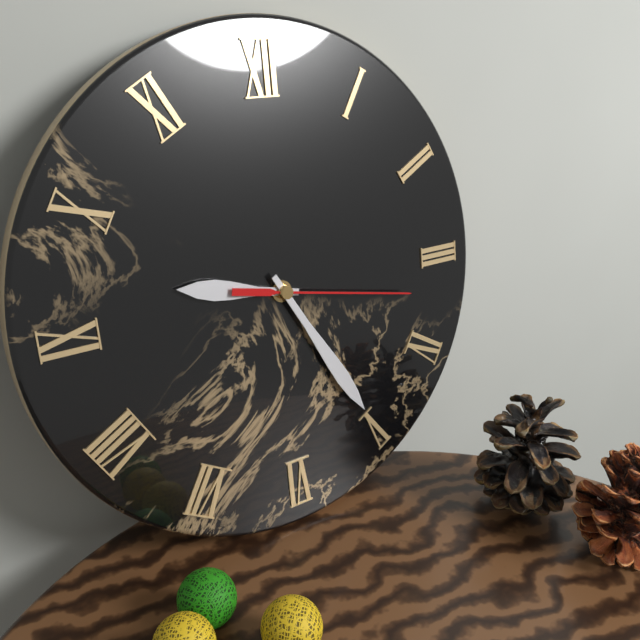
9:25:17
